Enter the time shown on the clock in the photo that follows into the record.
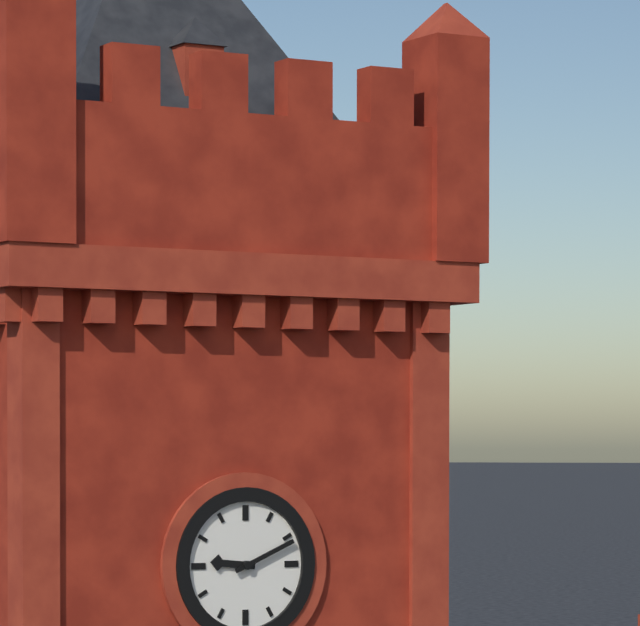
9:11
